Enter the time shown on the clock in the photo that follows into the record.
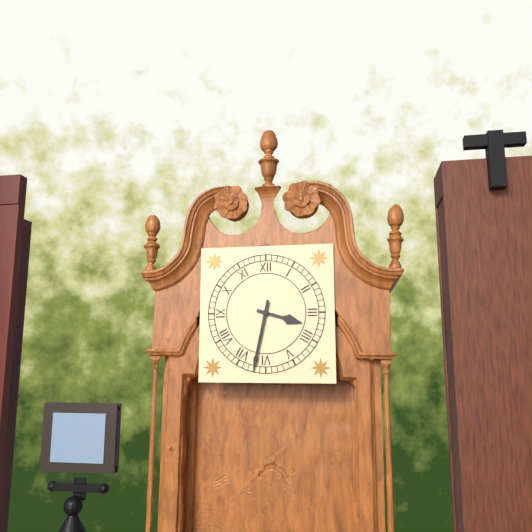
3:32
